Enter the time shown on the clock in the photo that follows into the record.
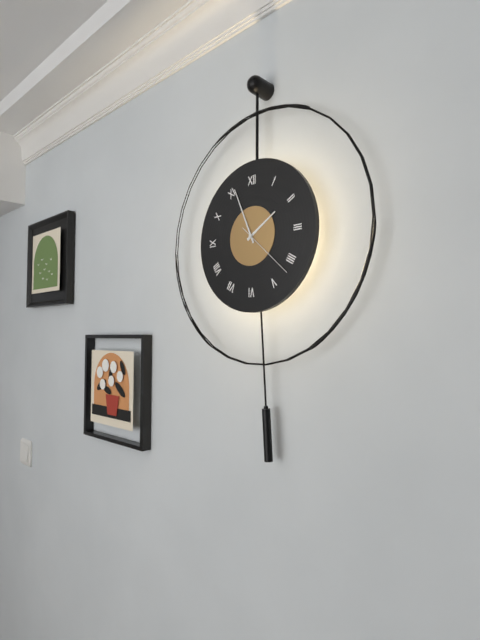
1:56:22
